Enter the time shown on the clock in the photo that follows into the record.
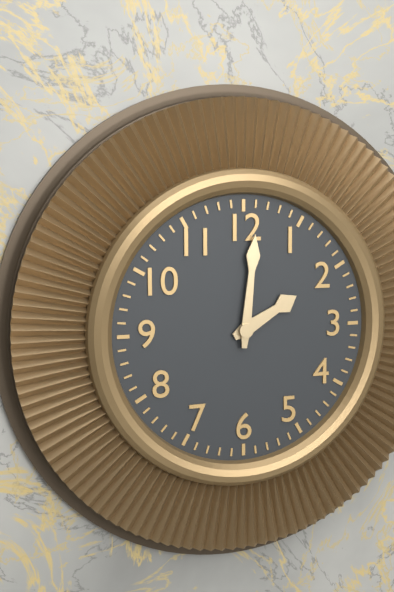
2:01
